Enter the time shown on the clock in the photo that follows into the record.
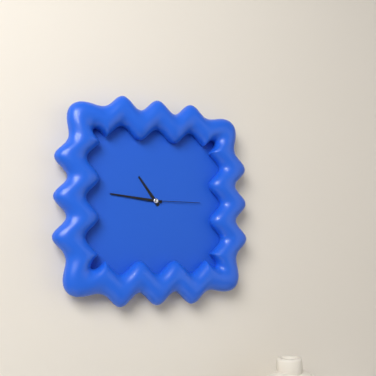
10:46:15
